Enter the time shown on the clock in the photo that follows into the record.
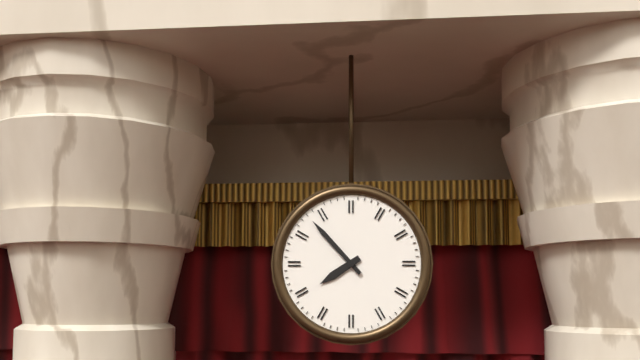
7:53
